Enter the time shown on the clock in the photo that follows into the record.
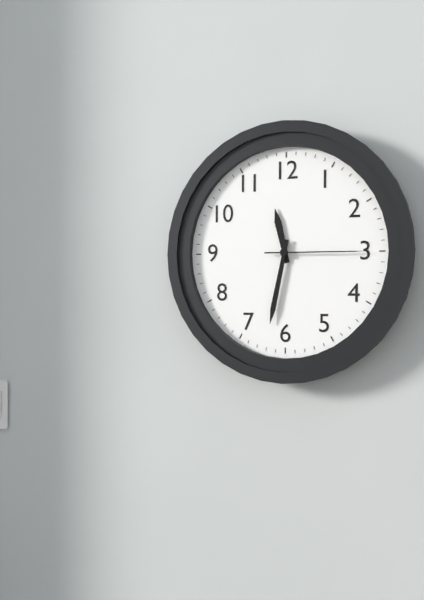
11:32:15
